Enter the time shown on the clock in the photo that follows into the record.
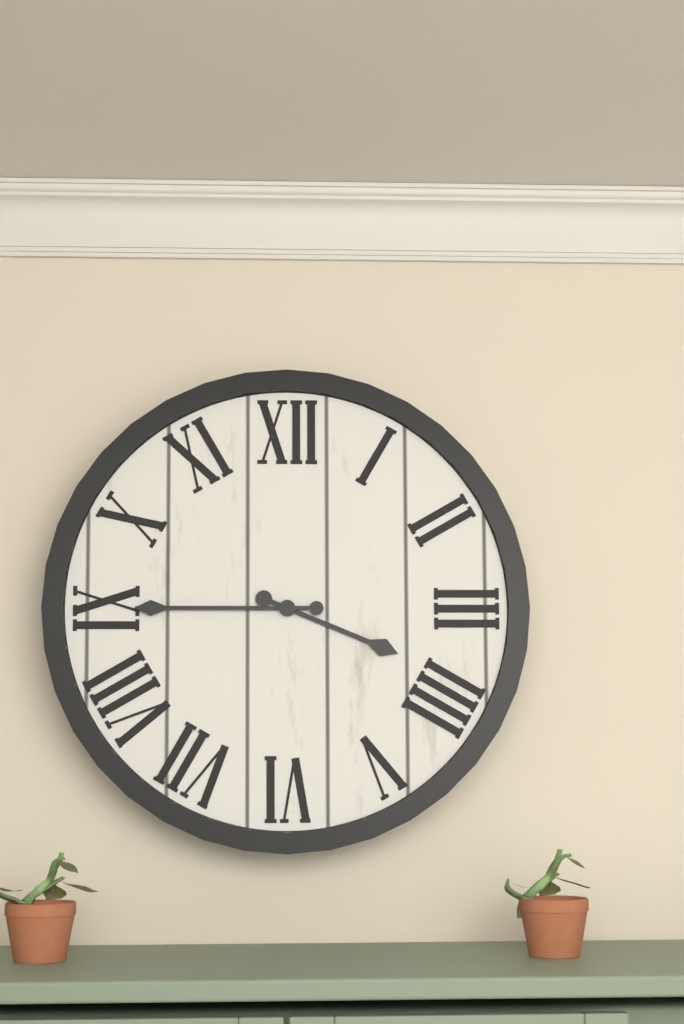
3:45
